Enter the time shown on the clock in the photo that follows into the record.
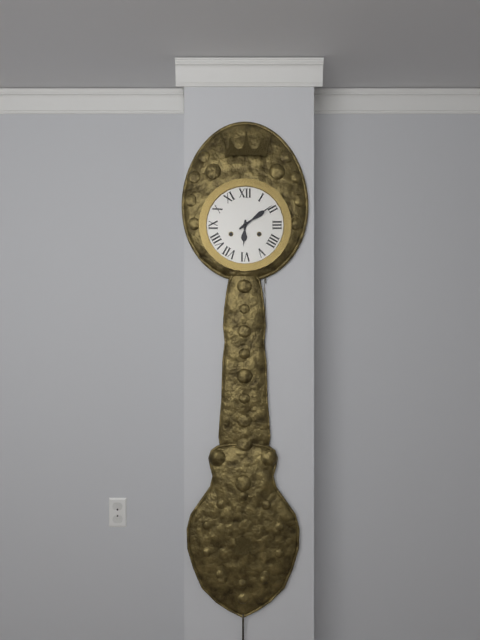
6:09
